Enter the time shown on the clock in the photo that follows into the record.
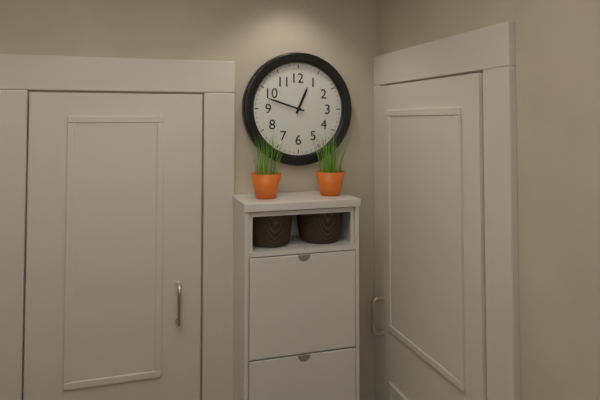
12:48
